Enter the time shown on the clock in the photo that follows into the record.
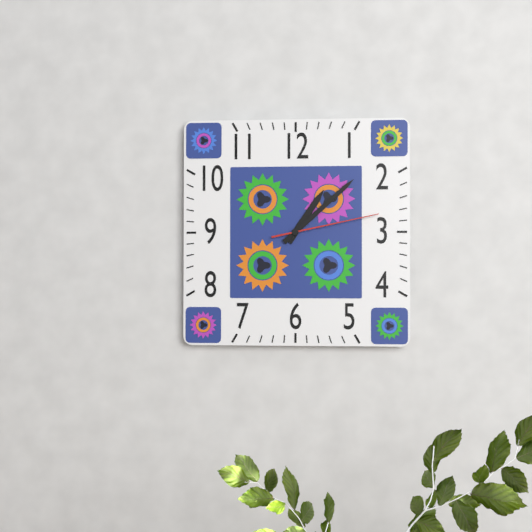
1:08:13
